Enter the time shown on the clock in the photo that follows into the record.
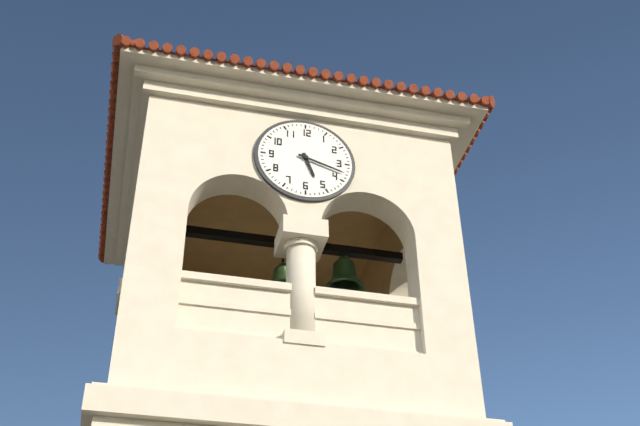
5:18
